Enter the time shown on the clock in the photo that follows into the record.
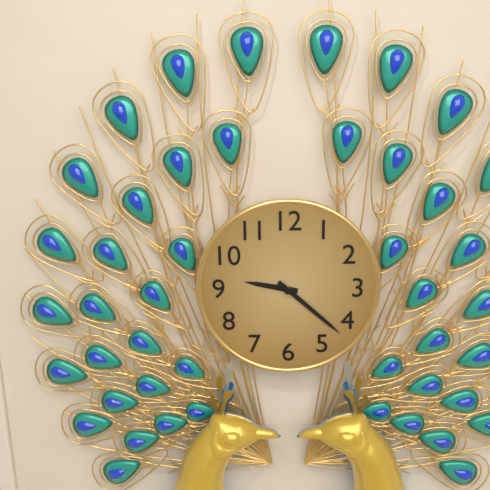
9:22
